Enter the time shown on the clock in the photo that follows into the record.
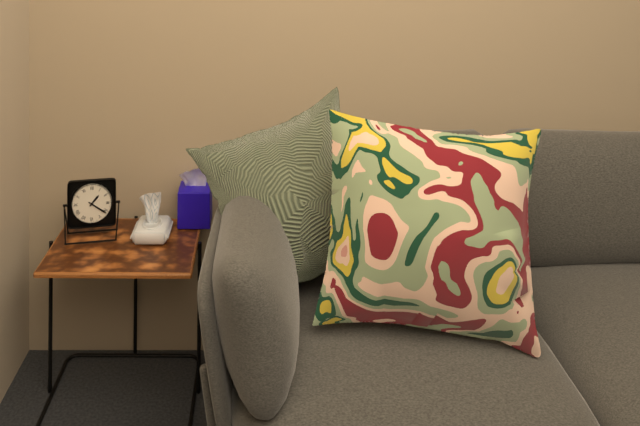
1:21
